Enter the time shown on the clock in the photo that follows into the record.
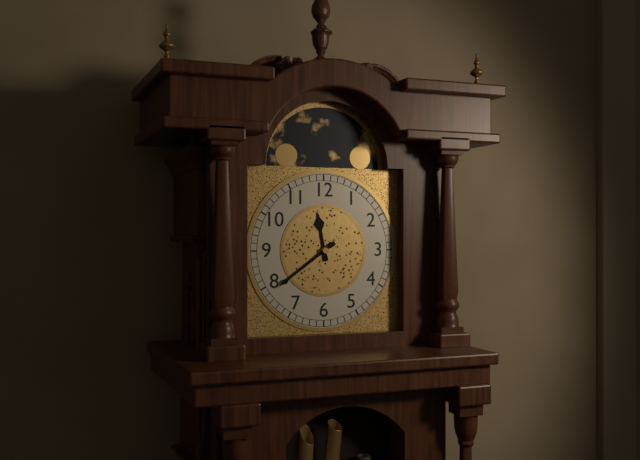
11:39
